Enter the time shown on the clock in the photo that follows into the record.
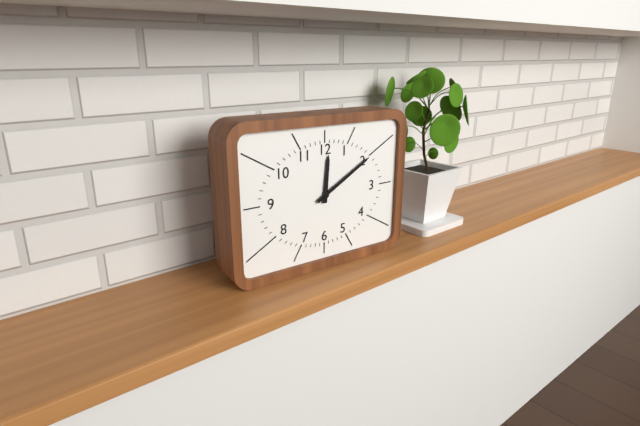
12:10
